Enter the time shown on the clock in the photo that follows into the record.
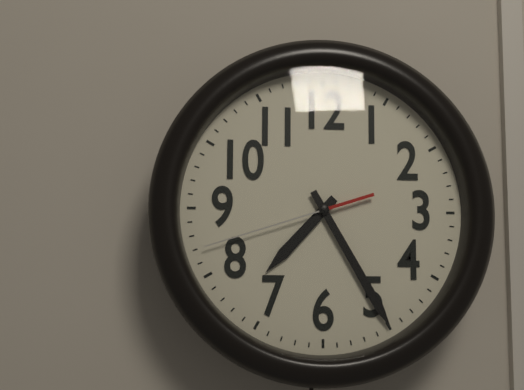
7:25:42
